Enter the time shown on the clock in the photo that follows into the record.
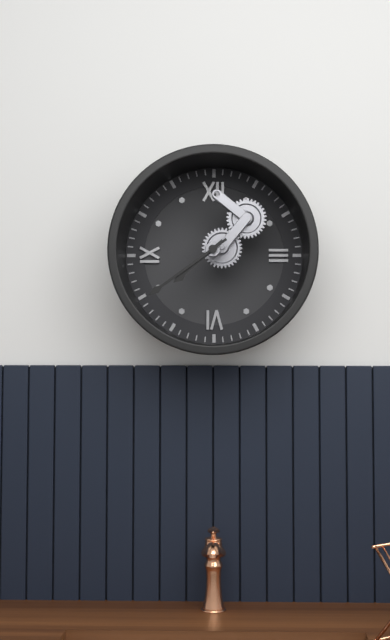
7:39
